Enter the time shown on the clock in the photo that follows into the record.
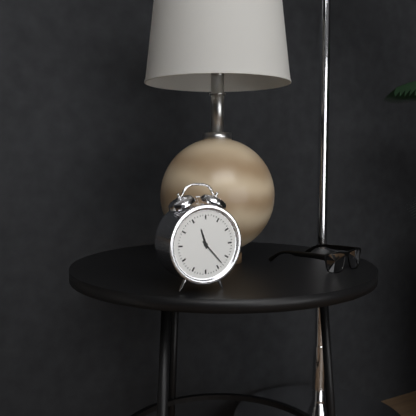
11:23
